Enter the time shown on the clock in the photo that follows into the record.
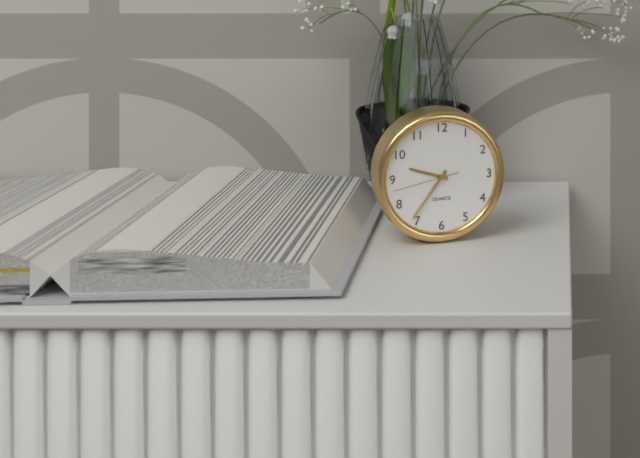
9:36:43
